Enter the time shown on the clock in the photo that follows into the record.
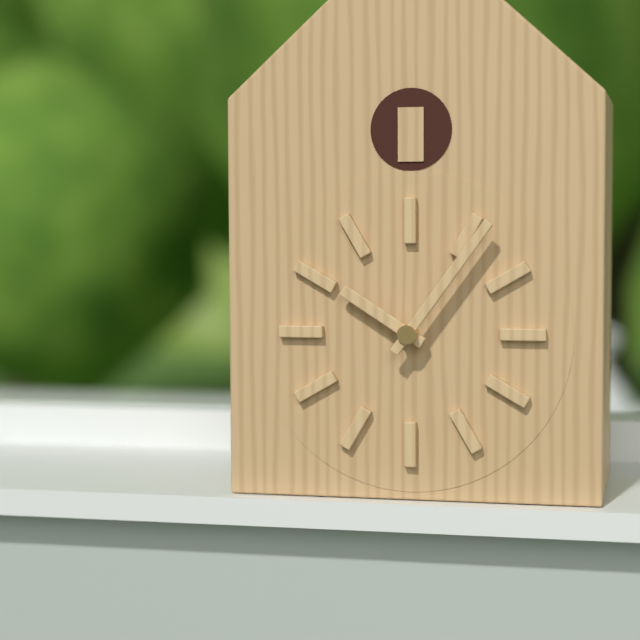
10:06
